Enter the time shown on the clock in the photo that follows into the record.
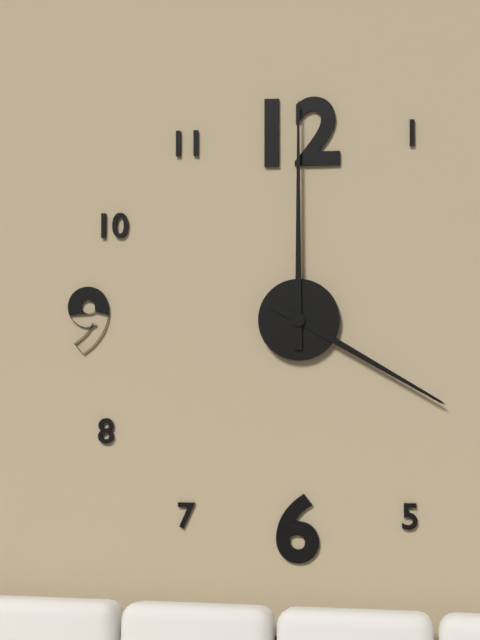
4:00
